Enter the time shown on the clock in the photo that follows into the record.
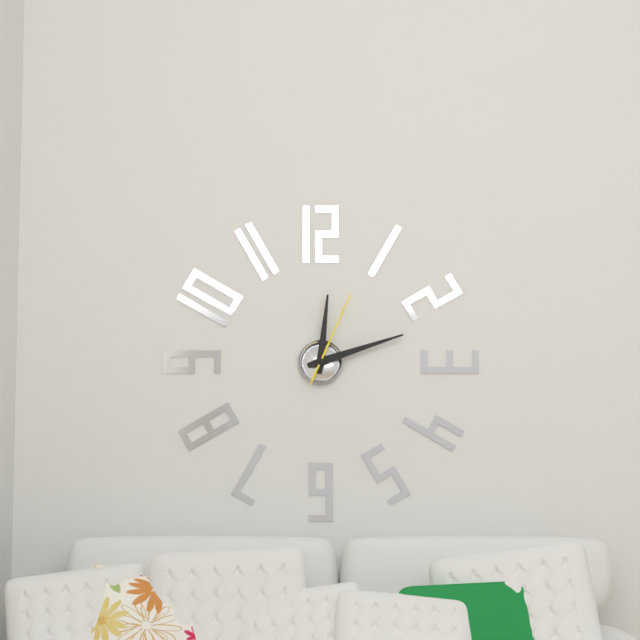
12:12:04
